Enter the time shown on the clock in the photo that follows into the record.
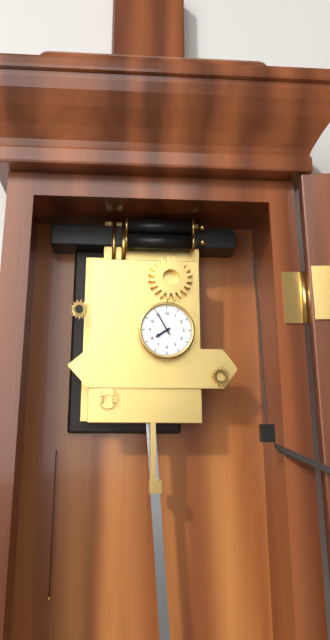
7:55
